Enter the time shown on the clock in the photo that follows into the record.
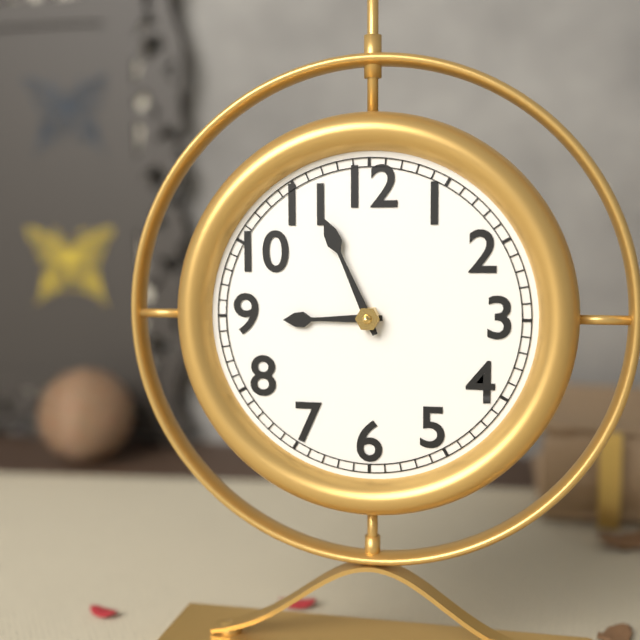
8:56
